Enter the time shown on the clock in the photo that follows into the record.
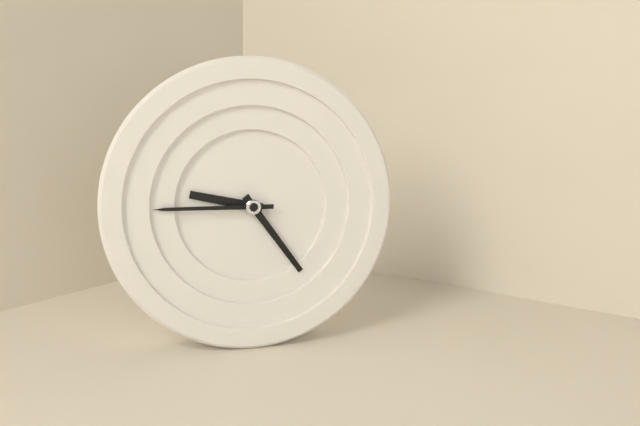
9:24:45
